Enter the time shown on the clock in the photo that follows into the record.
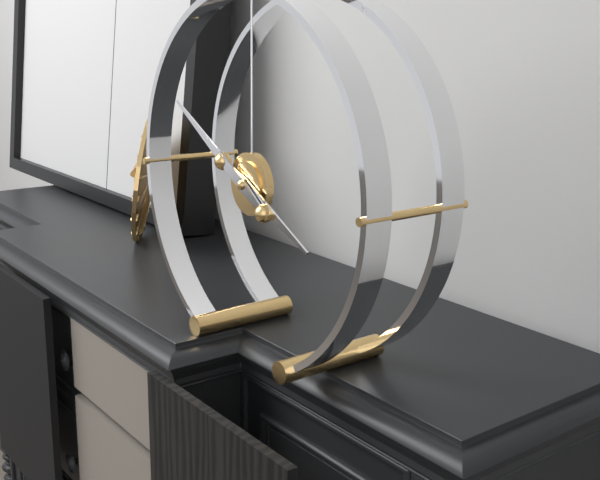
3:50
